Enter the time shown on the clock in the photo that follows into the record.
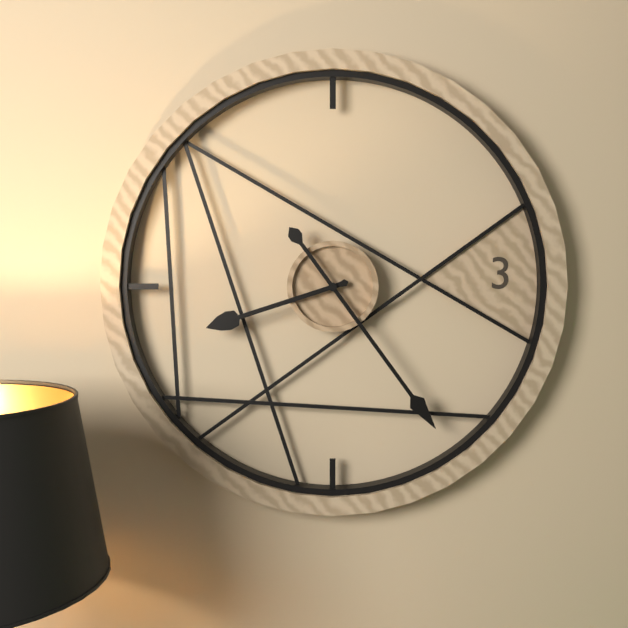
8:24
